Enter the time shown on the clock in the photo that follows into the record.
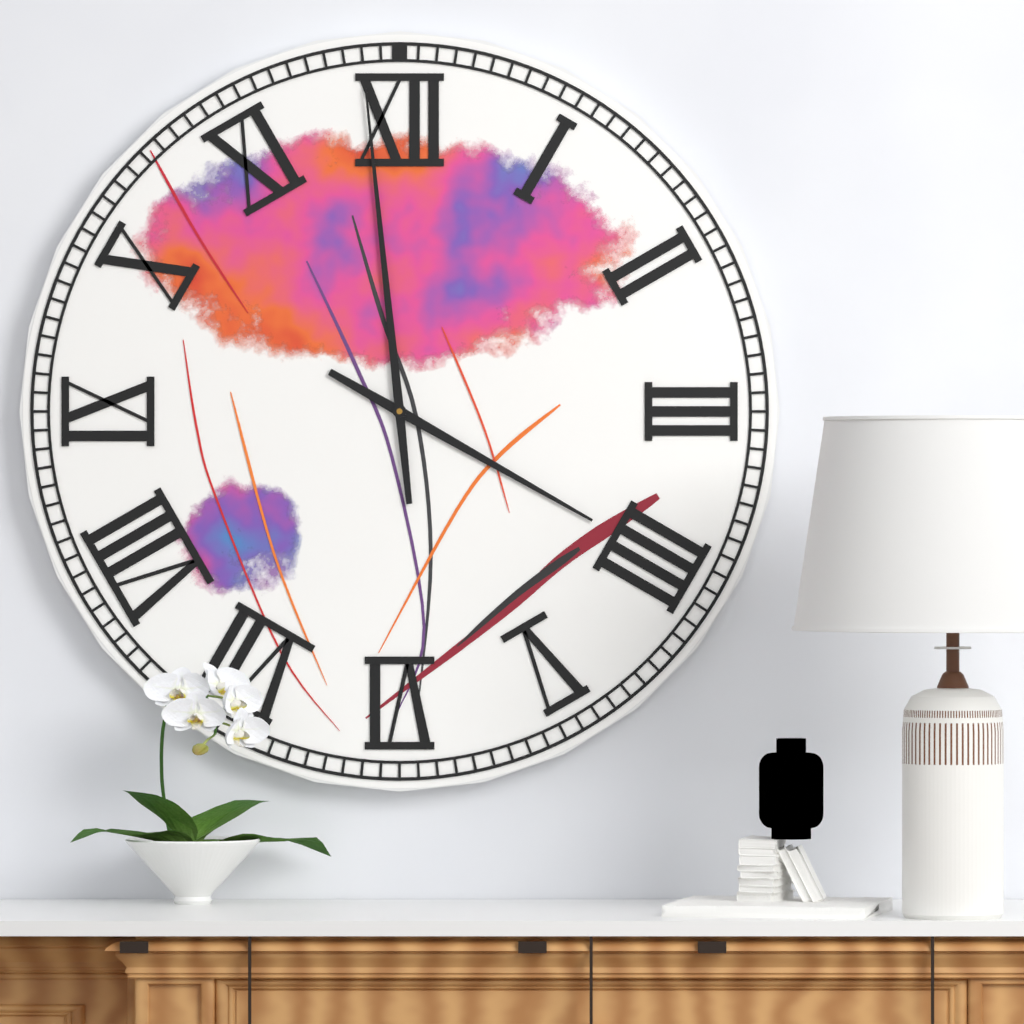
3:59
